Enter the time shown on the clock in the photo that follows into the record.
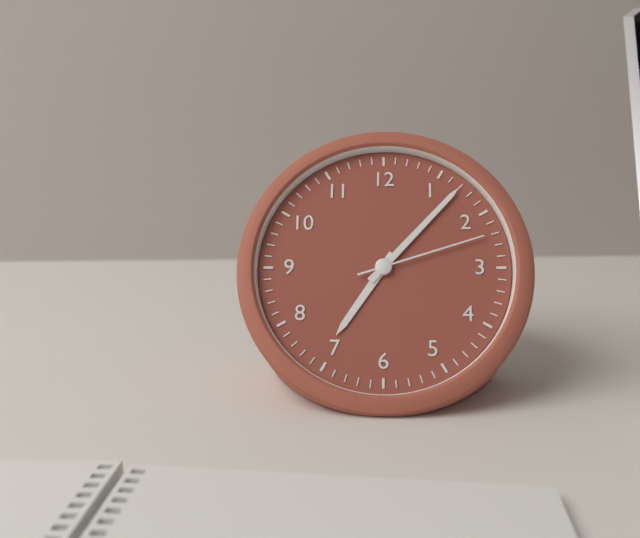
7:07:12
